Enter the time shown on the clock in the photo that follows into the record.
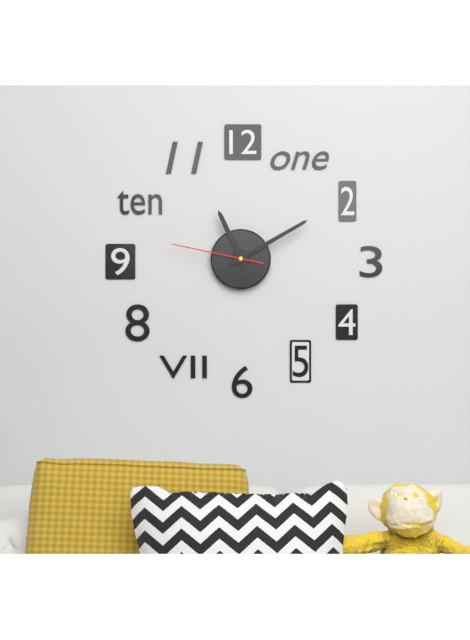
11:10:47
